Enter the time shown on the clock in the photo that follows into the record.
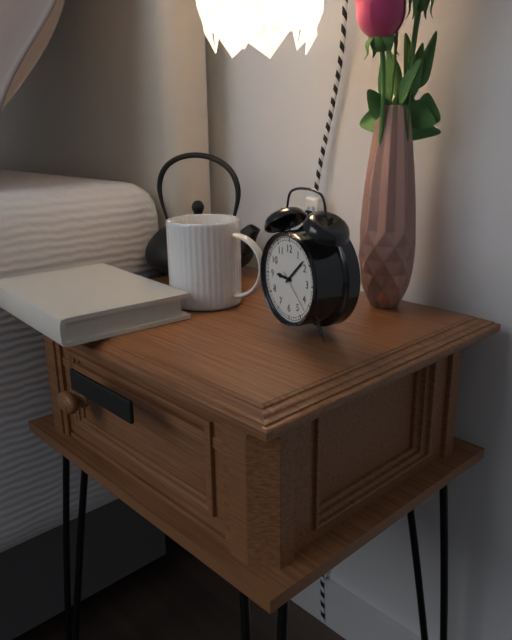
9:08
